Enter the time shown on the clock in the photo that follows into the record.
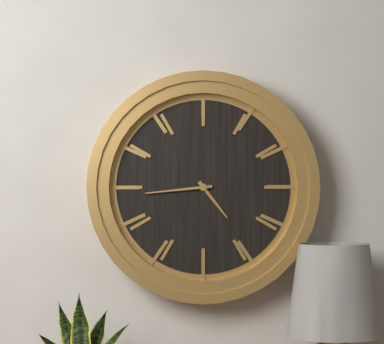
4:44
